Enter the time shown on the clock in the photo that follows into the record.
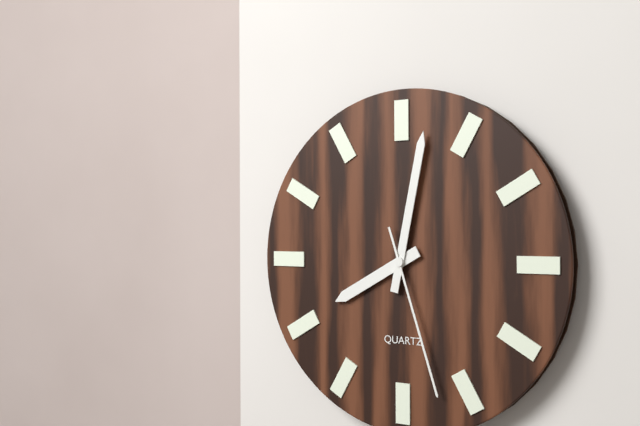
8:02:27
